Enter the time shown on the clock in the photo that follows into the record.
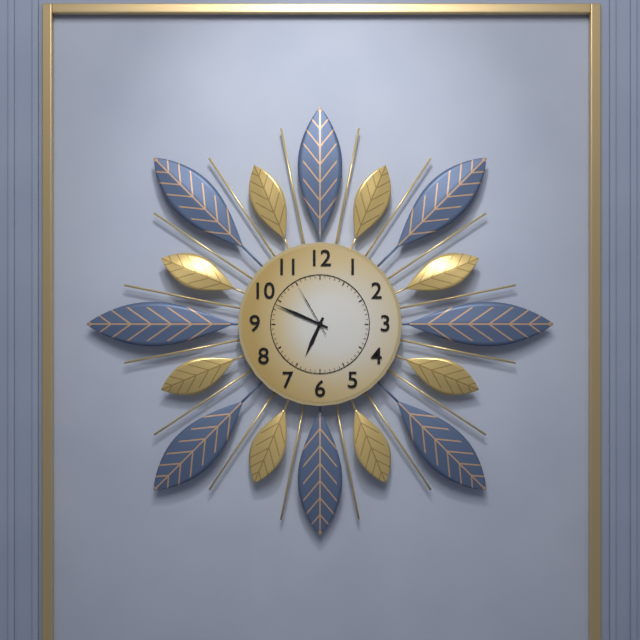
6:49:55
